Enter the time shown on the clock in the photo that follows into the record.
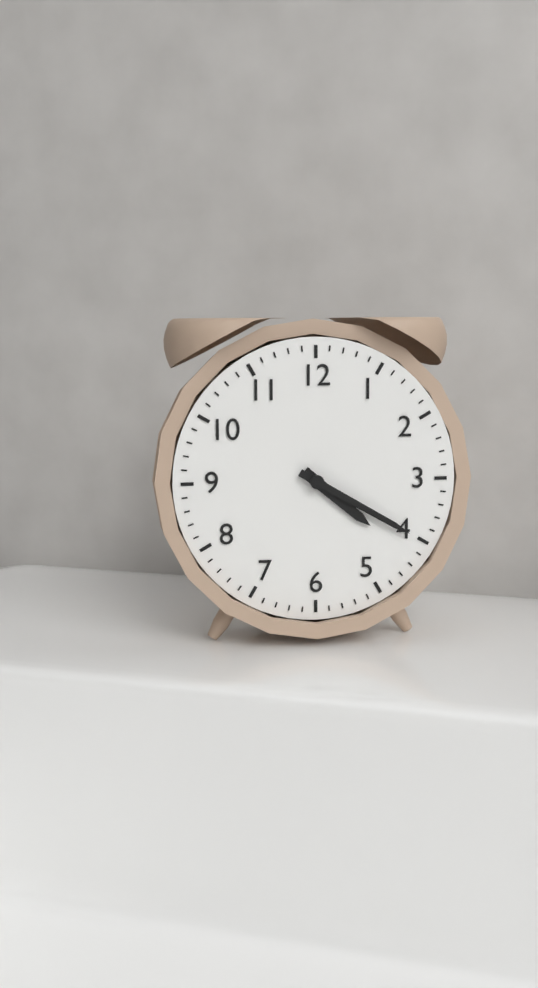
4:20
